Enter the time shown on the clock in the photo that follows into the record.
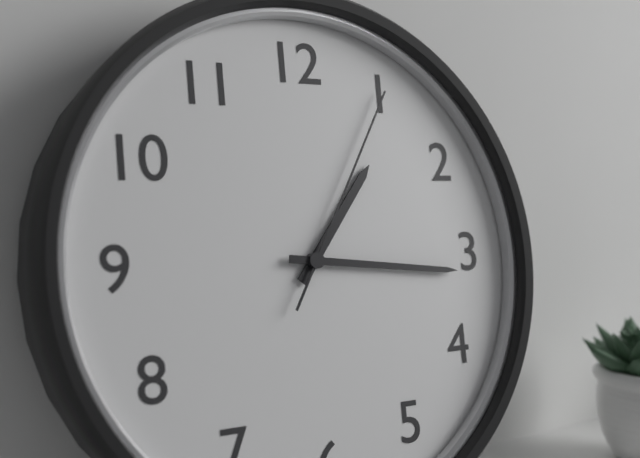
1:16:05
